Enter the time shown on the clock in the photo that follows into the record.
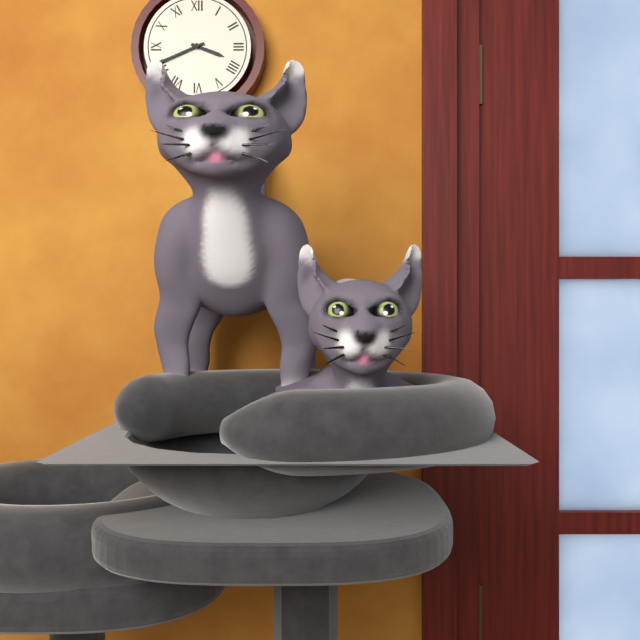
3:41
